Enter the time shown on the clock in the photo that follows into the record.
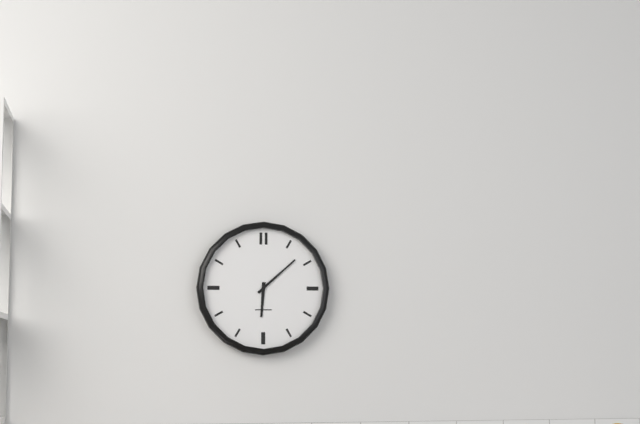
6:08
